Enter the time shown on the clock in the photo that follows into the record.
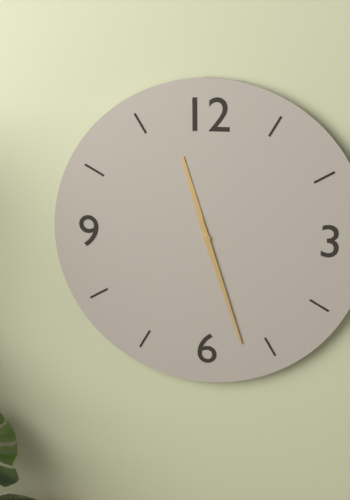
11:27
